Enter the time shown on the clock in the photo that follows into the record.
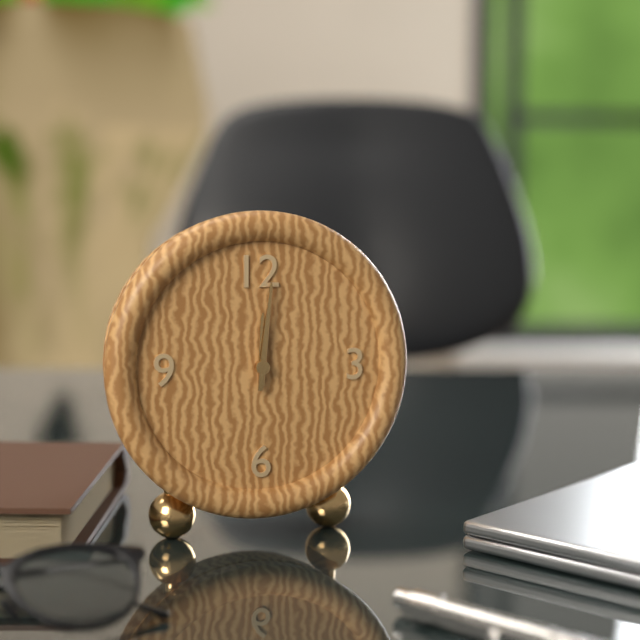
12:01
